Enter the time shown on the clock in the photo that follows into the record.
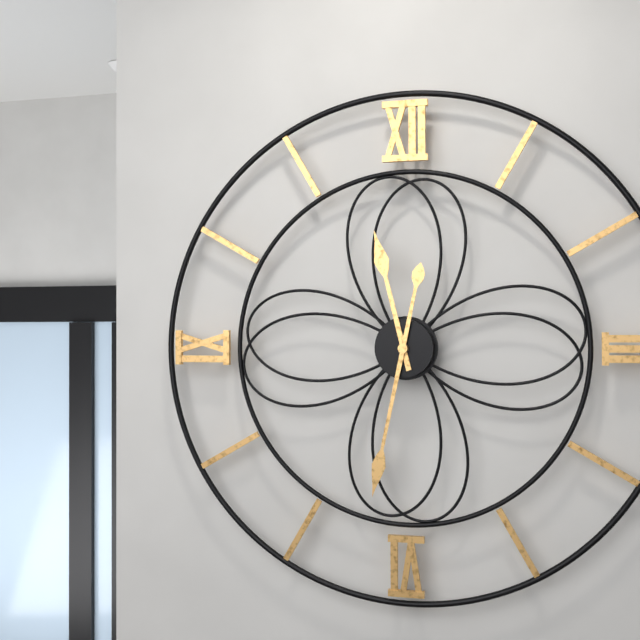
11:32
